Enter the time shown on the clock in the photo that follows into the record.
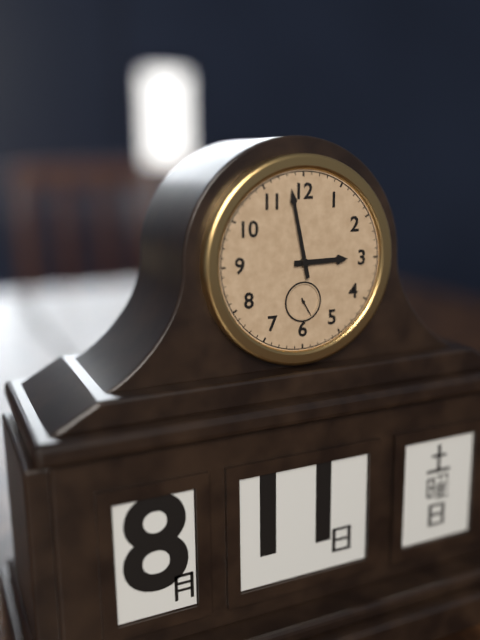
2:58
